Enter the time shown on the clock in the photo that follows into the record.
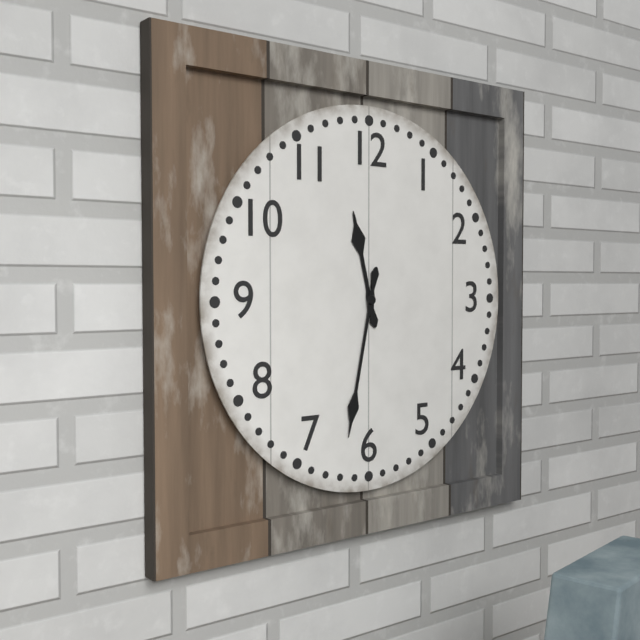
11:32
